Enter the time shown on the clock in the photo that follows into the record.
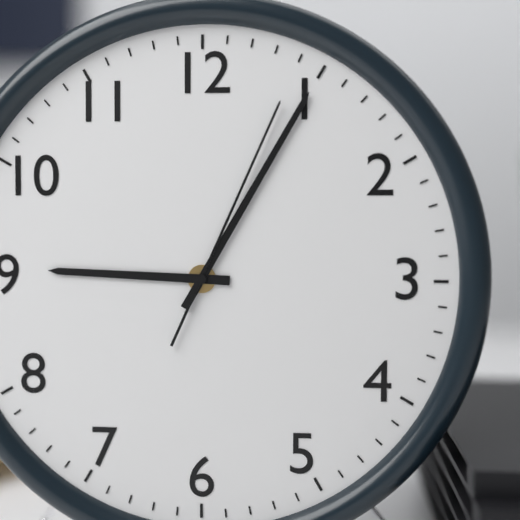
9:05:04
